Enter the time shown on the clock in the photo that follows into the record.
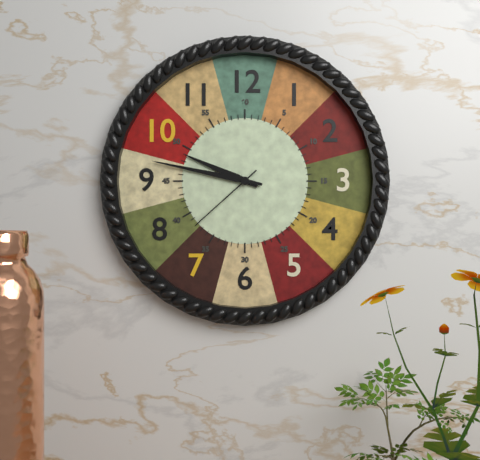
9:47:38
